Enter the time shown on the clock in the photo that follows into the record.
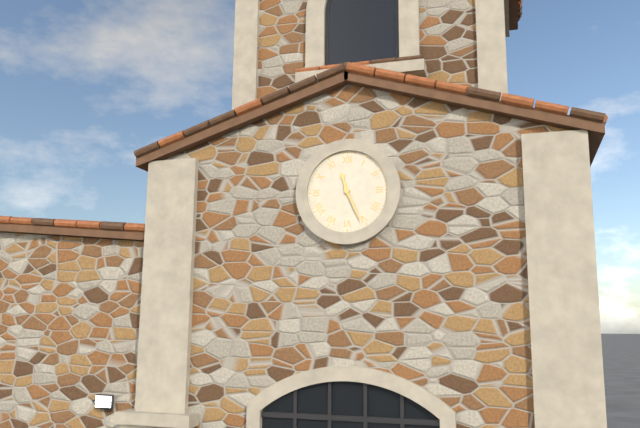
11:26
